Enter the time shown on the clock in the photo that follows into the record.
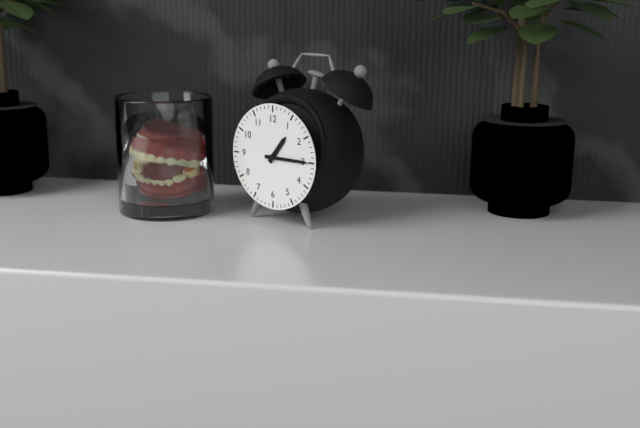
1:15
